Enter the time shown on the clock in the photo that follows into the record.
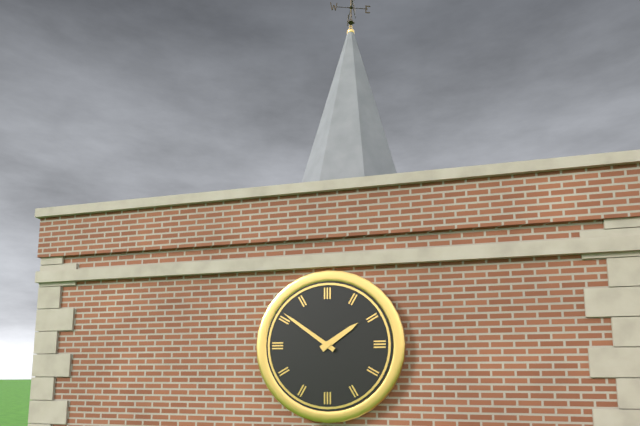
1:51
